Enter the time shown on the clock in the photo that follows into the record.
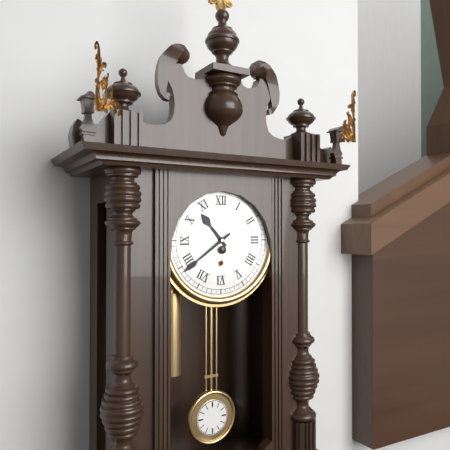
10:39
